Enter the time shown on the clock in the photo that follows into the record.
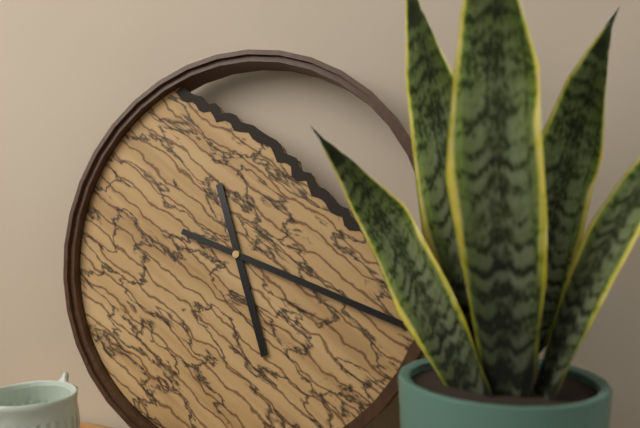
5:18
